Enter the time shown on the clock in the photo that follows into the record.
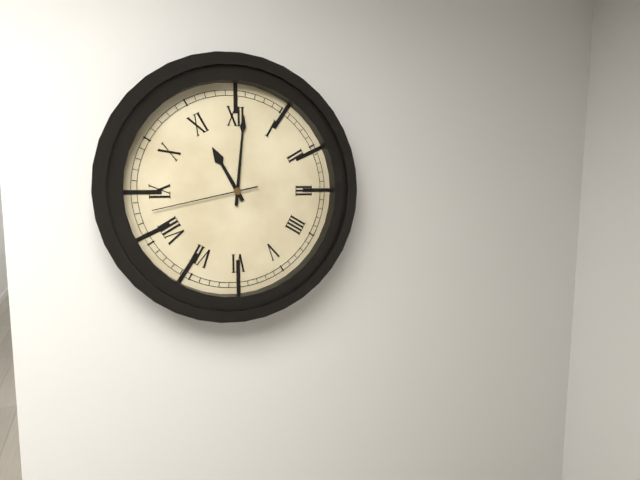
11:01:43
